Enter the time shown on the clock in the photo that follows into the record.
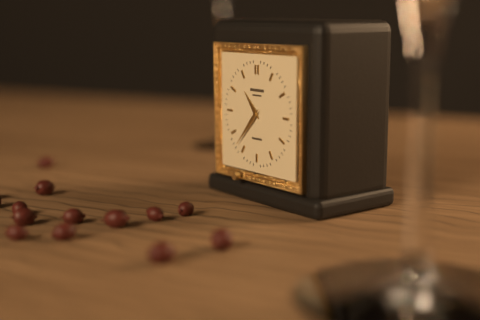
10:37
